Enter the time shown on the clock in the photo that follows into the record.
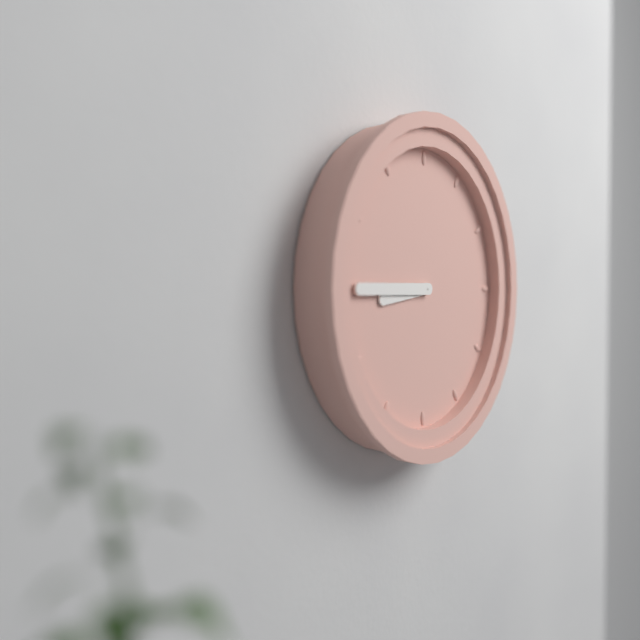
8:45
